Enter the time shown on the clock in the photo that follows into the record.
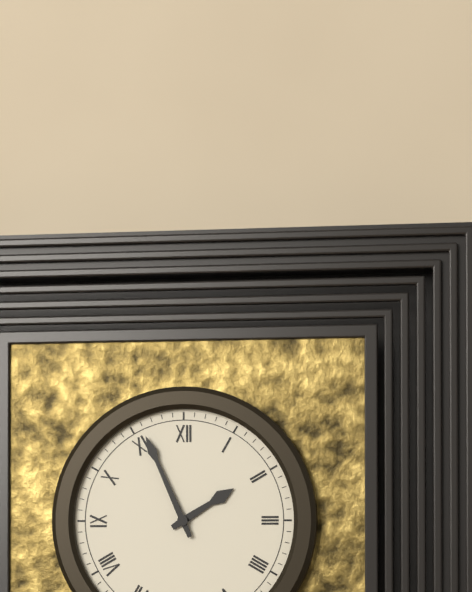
1:56
